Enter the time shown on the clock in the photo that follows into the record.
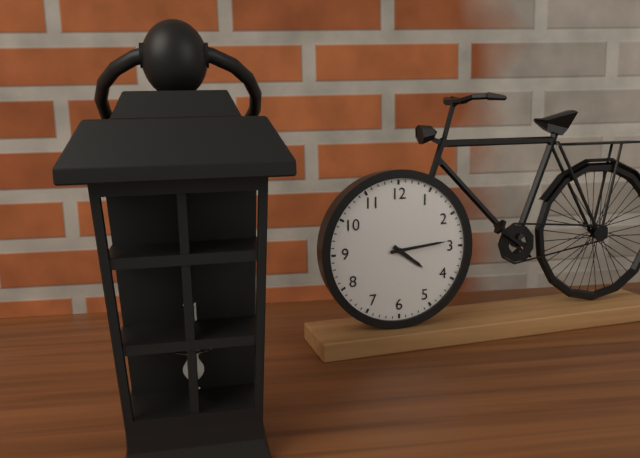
4:14
